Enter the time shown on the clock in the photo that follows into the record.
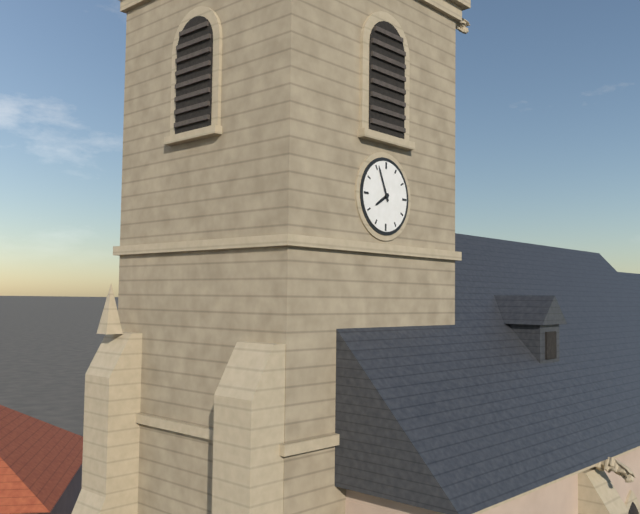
7:56
